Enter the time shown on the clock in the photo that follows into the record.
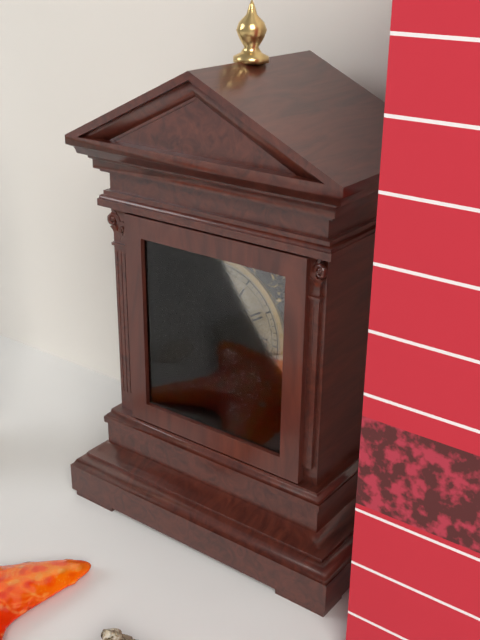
1:38:51
